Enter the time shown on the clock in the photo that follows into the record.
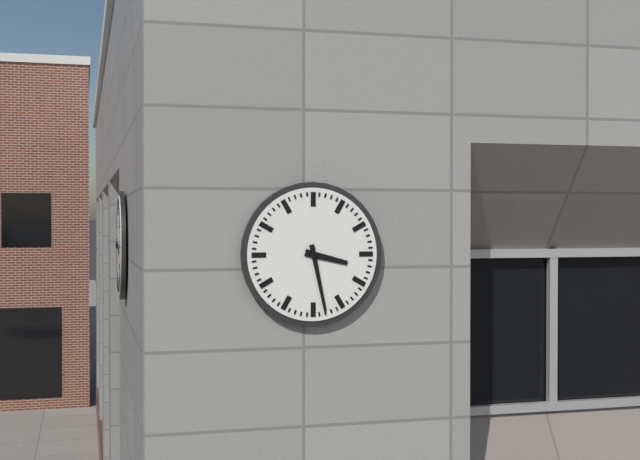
3:28
